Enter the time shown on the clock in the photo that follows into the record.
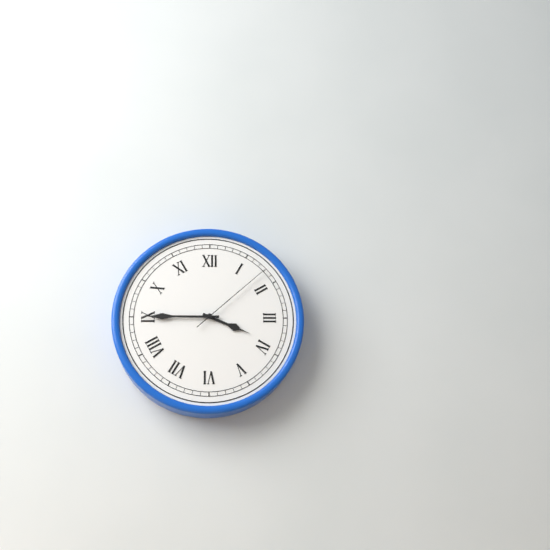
3:45:08
